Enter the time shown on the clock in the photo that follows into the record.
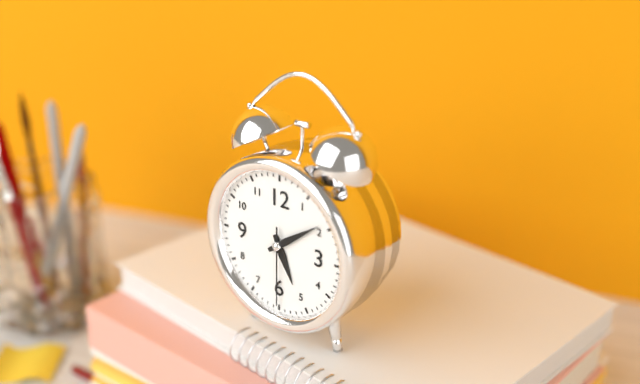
5:09:30
